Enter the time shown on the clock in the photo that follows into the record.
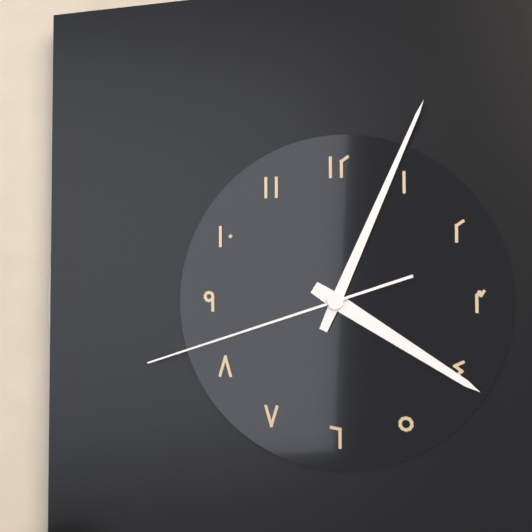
4:04:42
